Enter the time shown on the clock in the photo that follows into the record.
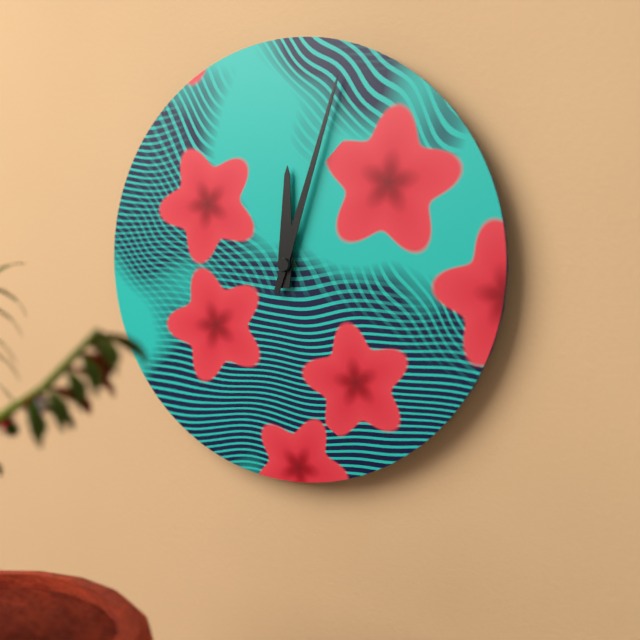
12:03
